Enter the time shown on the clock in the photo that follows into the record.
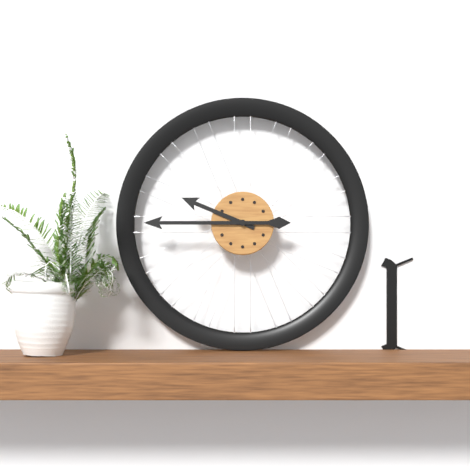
9:45
